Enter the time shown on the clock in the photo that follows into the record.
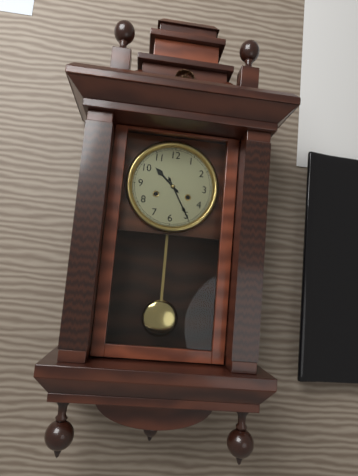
10:25
